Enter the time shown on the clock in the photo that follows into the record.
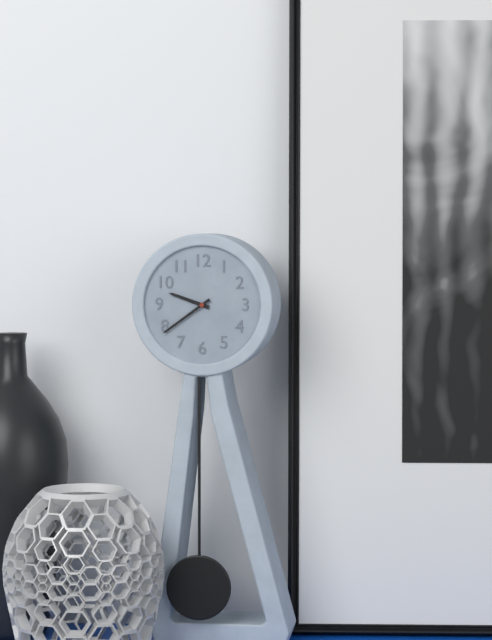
9:39
